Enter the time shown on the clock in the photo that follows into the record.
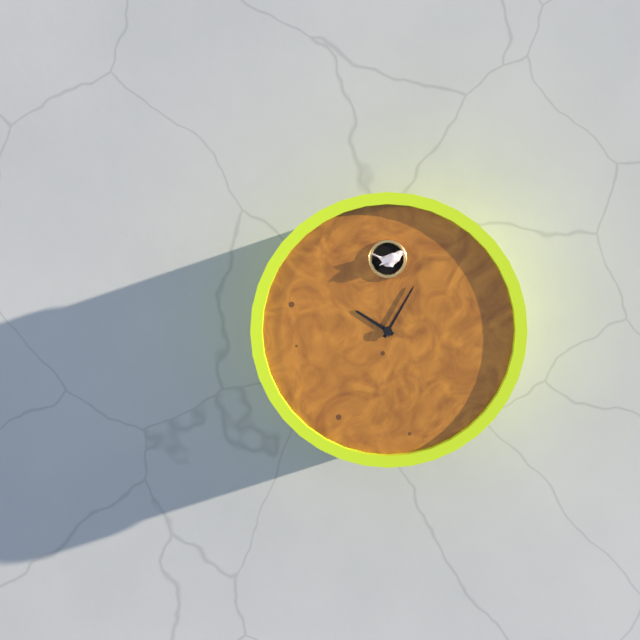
10:05
